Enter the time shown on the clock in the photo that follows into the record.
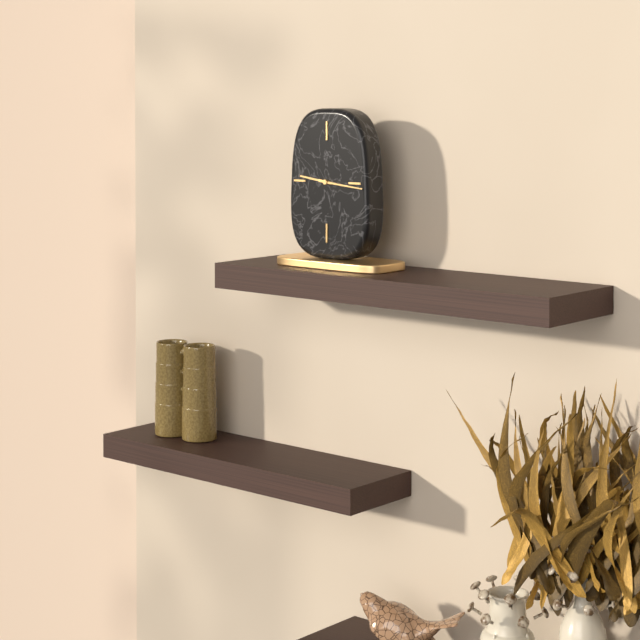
9:16
